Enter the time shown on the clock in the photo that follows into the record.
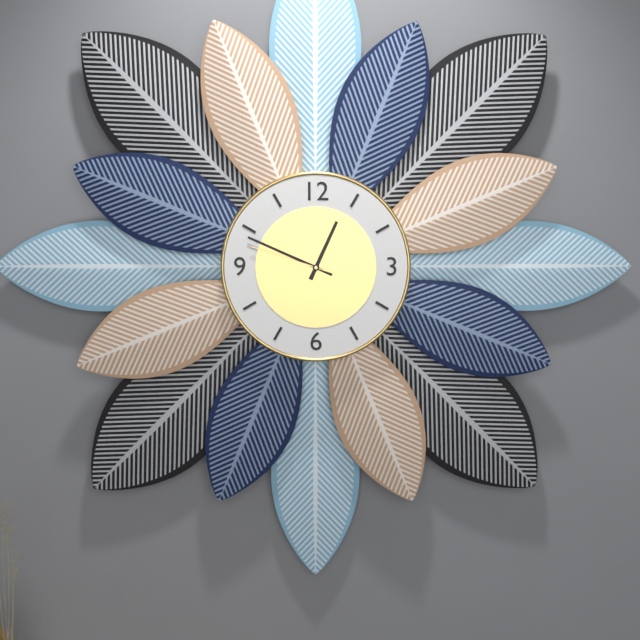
12:49:48
